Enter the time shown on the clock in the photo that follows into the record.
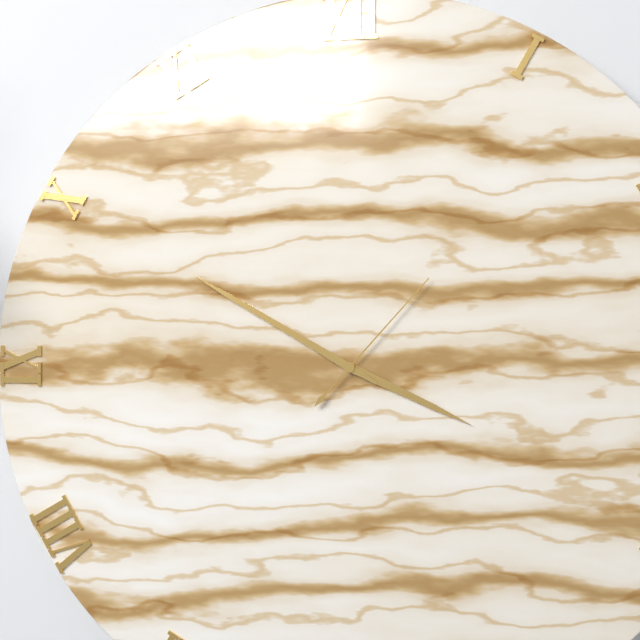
3:50:07
